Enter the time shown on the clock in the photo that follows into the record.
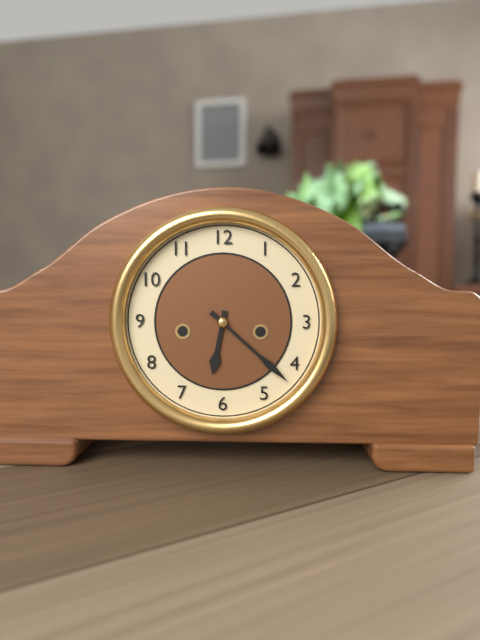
6:22
